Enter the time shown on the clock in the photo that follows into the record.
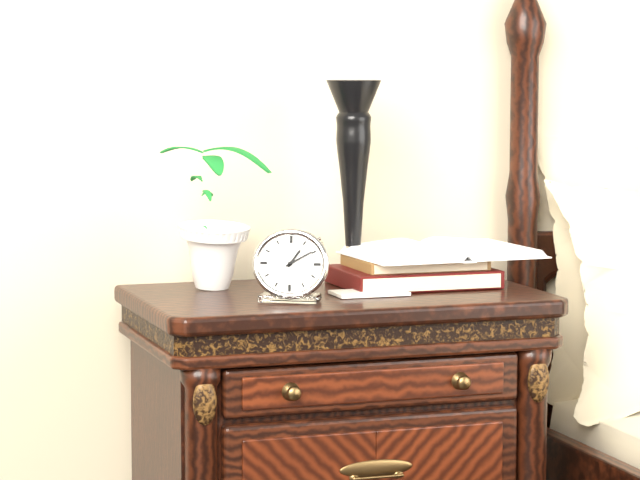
1:10
